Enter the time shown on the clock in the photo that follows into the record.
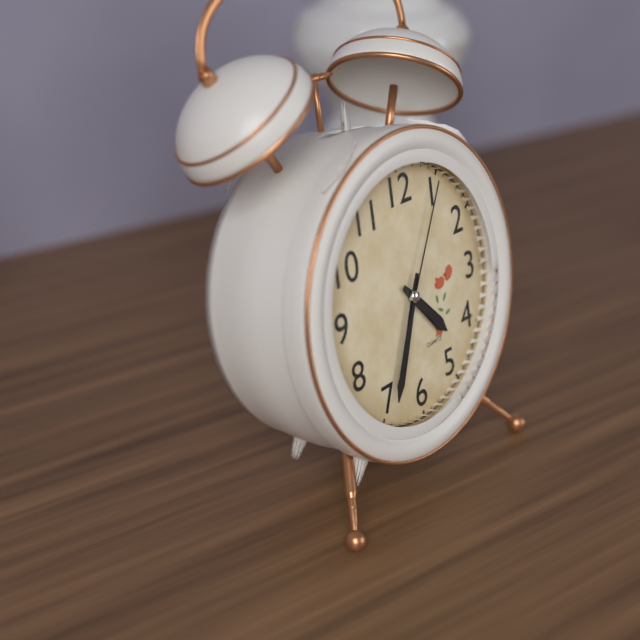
4:34:05
